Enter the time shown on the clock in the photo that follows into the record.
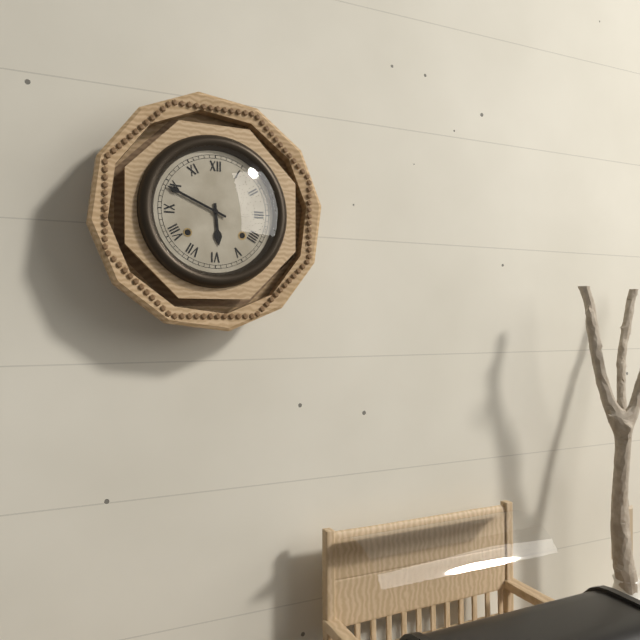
5:49
